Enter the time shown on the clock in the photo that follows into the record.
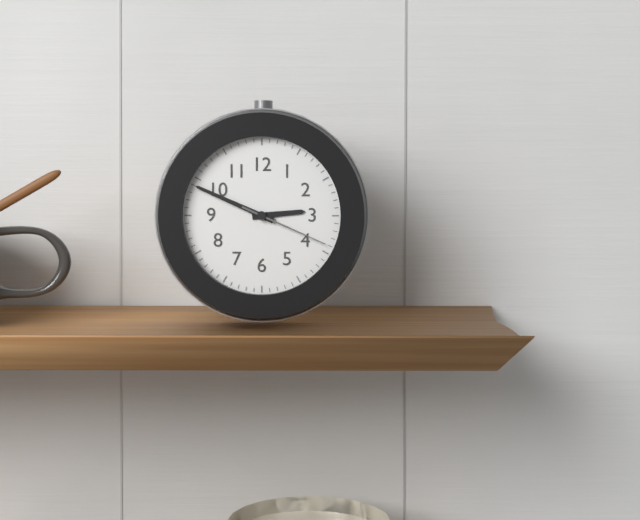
2:49:19
